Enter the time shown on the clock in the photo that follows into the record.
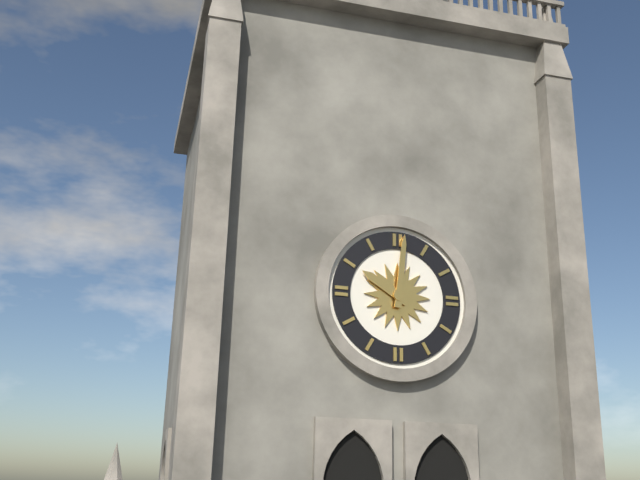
10:01
